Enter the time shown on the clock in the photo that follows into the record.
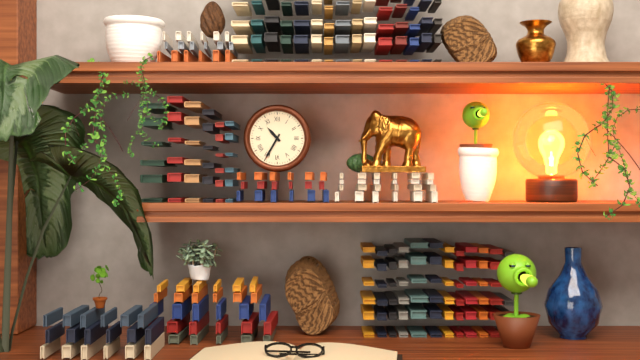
10:35
